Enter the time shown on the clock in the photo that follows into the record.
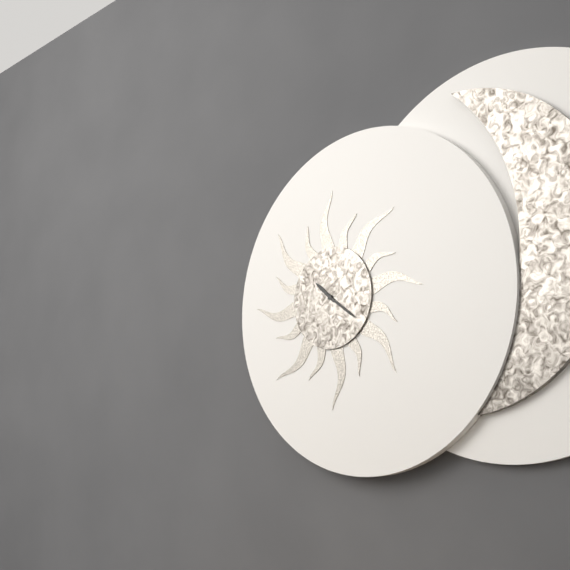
10:21
